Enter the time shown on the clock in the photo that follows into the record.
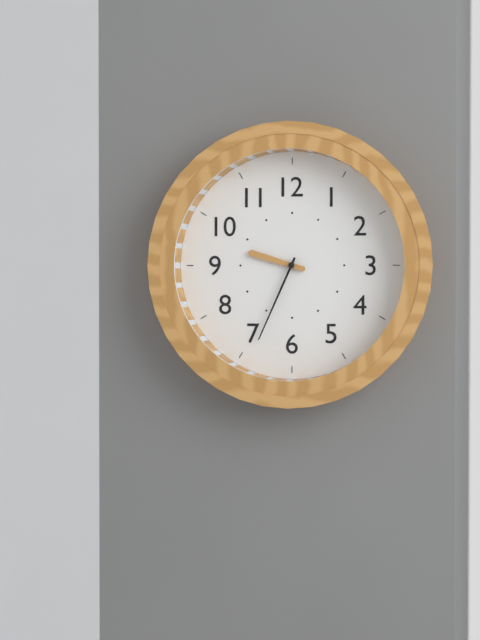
9:34
